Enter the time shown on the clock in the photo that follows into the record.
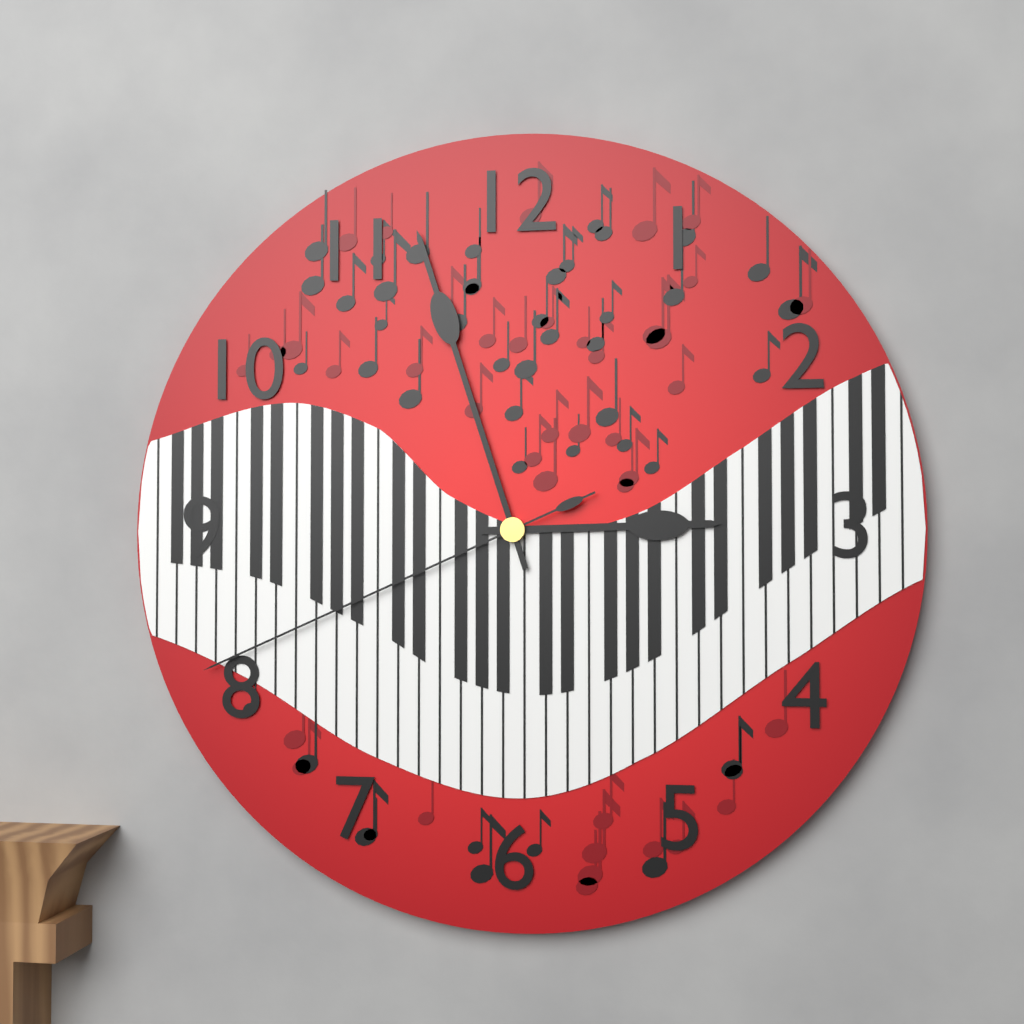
2:57:41
